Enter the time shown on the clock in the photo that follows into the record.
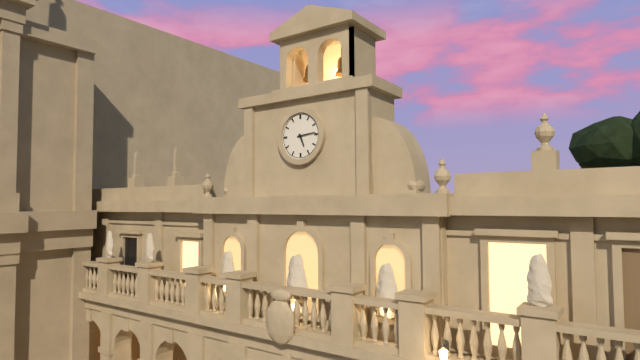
5:14
